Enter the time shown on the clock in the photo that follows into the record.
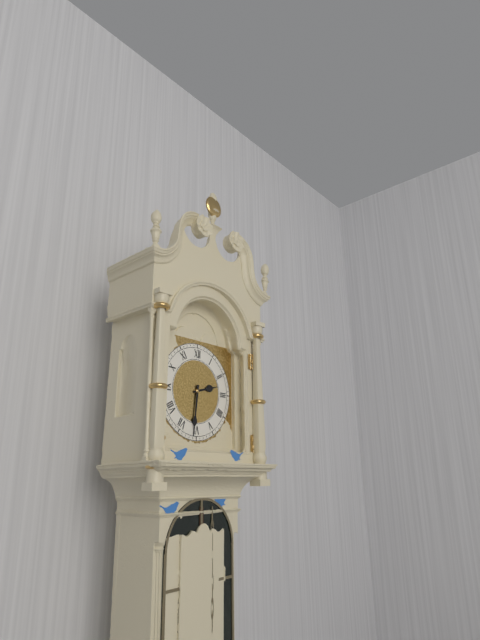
2:31
